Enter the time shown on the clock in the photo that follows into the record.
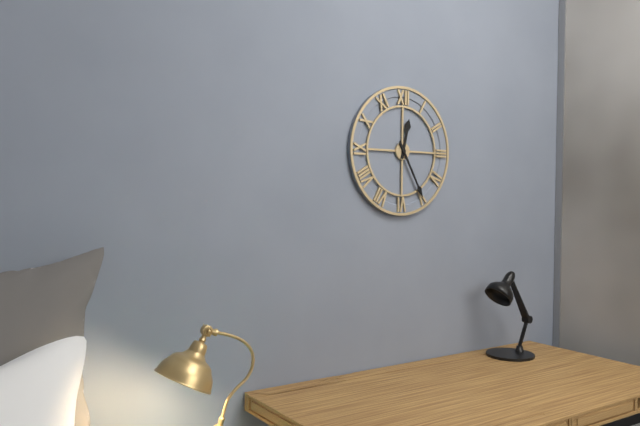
12:25
